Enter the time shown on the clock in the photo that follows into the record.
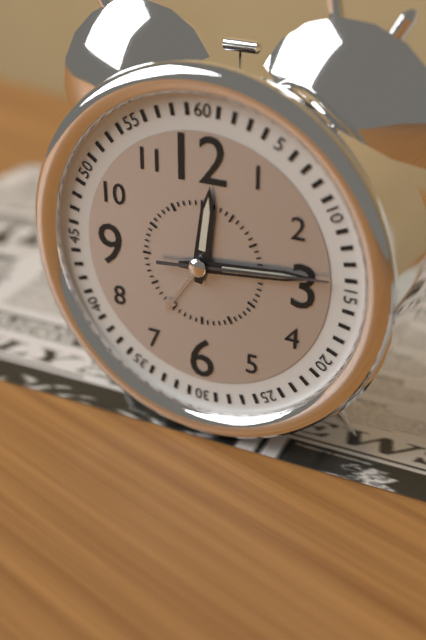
12:14:14
